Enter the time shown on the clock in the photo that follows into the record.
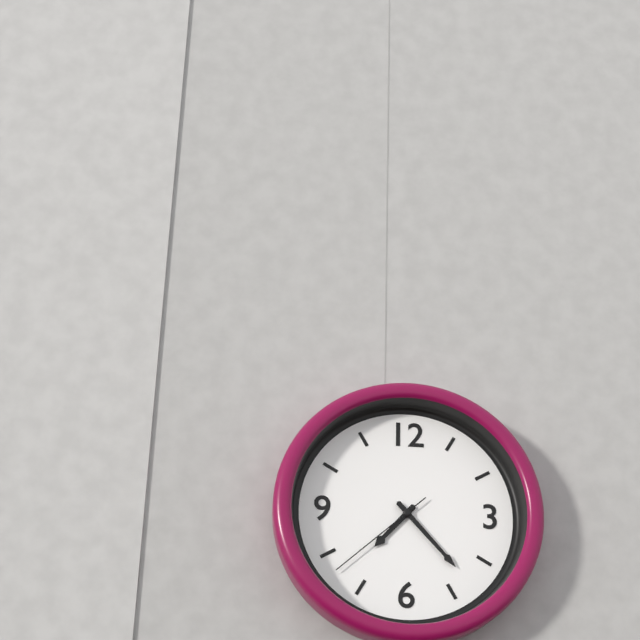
7:23:38
